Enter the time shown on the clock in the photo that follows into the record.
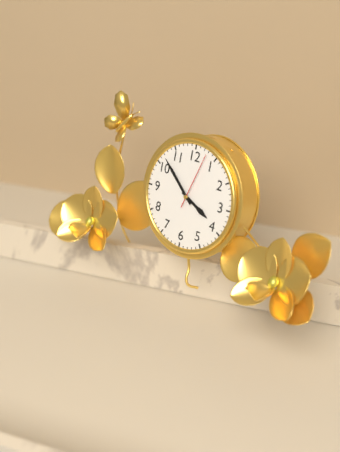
3:52:03
